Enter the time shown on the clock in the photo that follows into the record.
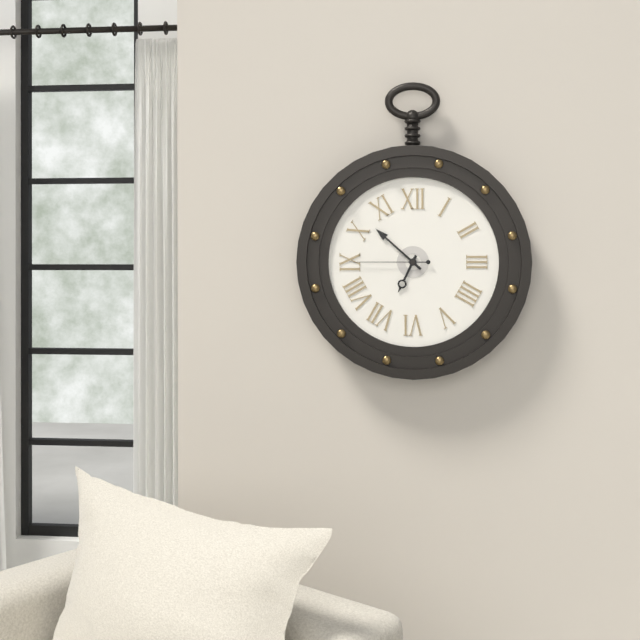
6:52:45
